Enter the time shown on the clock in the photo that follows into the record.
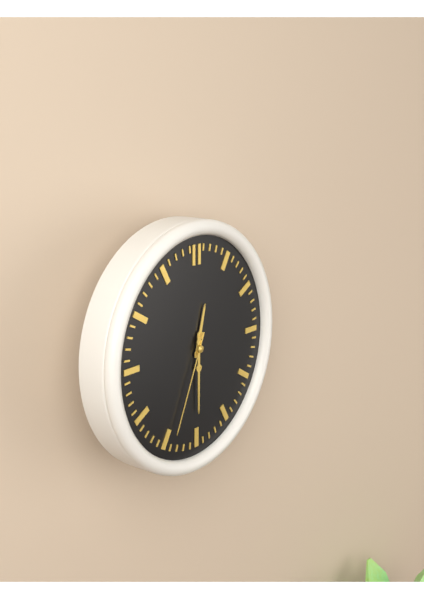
12:30:34
